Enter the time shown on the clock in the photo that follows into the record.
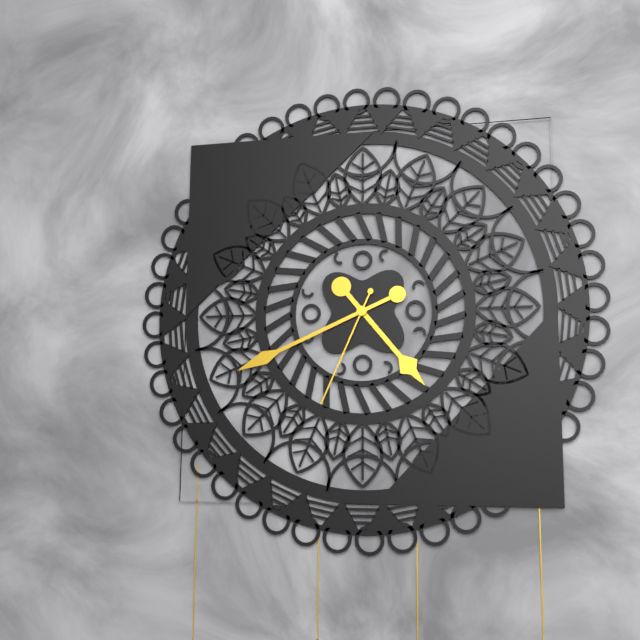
4:41:34
